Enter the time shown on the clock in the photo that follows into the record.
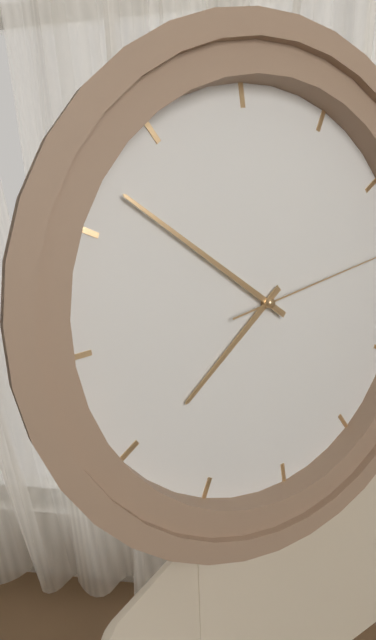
7:52
